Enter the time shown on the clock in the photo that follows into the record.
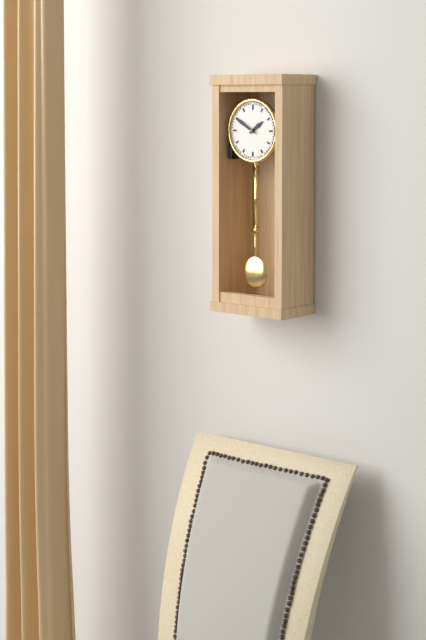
1:50
